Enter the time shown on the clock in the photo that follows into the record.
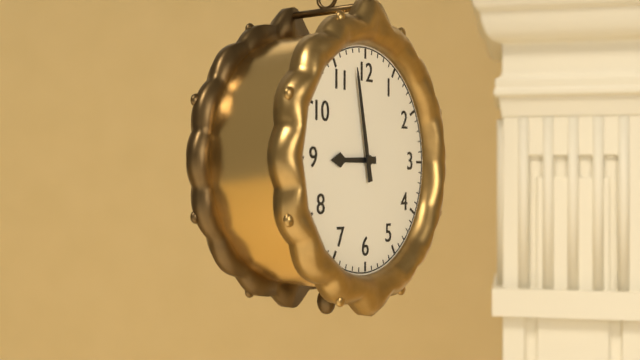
8:58
